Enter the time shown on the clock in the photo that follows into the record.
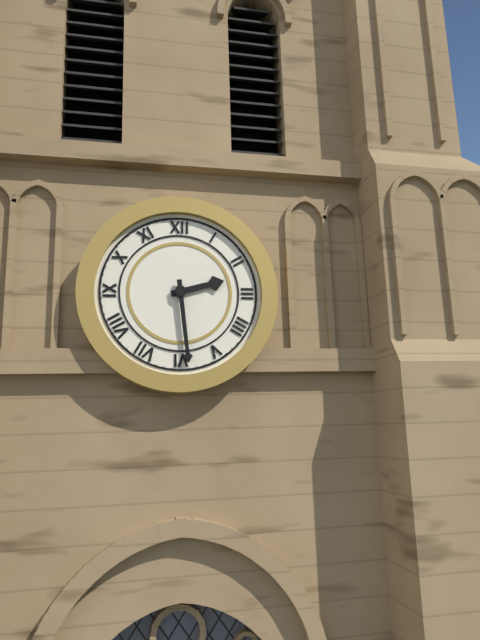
2:29
